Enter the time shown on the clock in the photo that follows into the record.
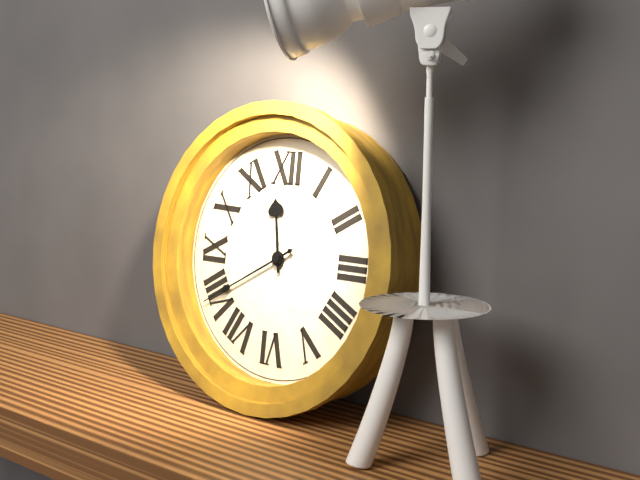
11:40
